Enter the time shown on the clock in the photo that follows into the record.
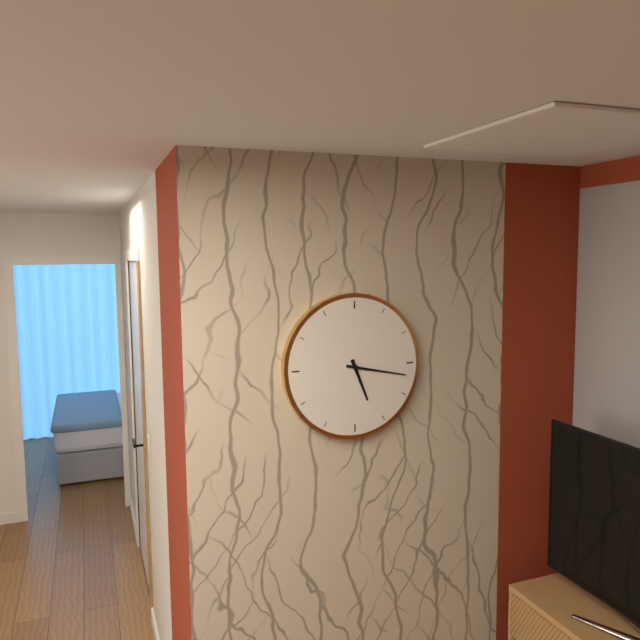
5:17
